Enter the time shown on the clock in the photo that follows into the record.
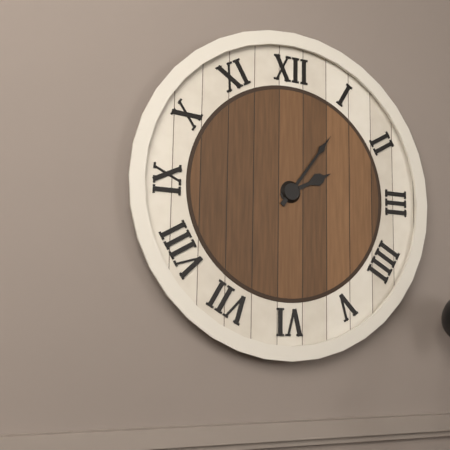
2:06
